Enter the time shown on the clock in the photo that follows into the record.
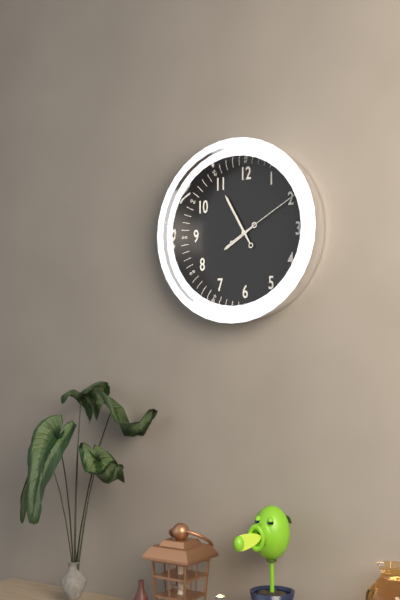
7:55:10
